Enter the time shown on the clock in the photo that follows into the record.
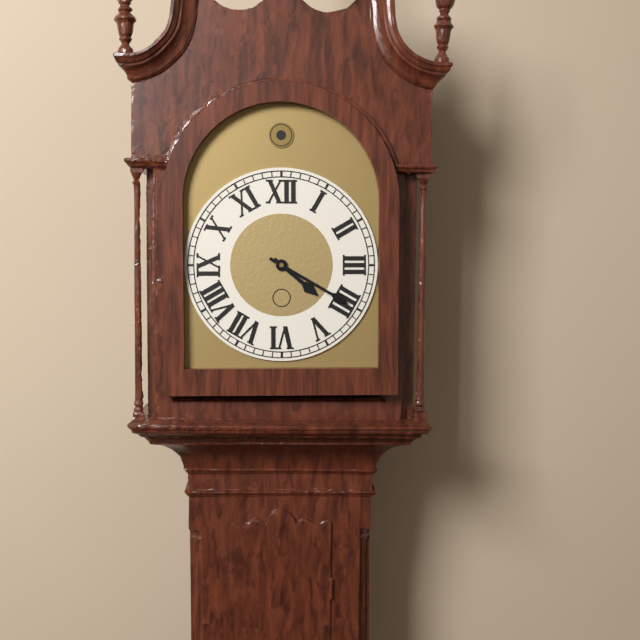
4:20
